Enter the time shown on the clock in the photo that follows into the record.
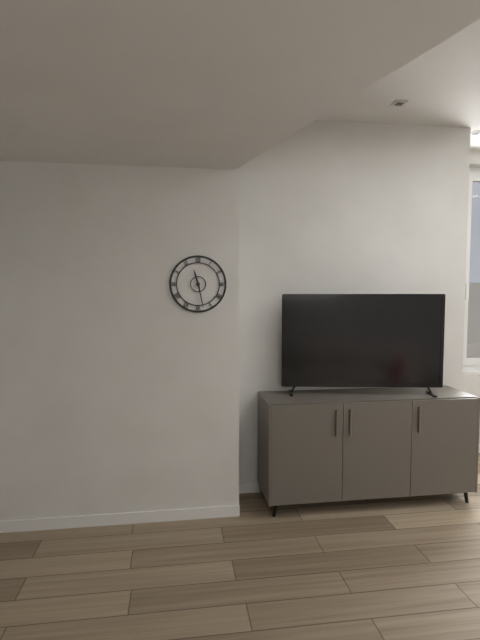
11:28
